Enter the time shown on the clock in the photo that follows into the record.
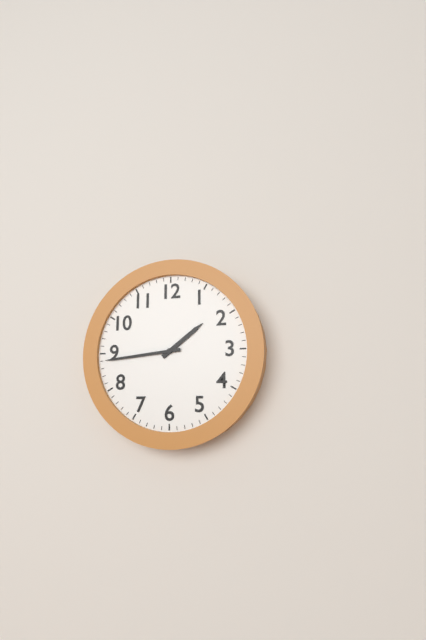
1:44
